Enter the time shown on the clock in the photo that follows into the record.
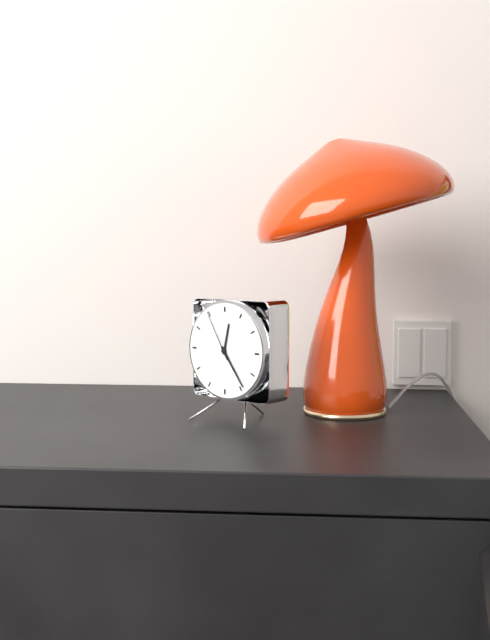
12:24:55
